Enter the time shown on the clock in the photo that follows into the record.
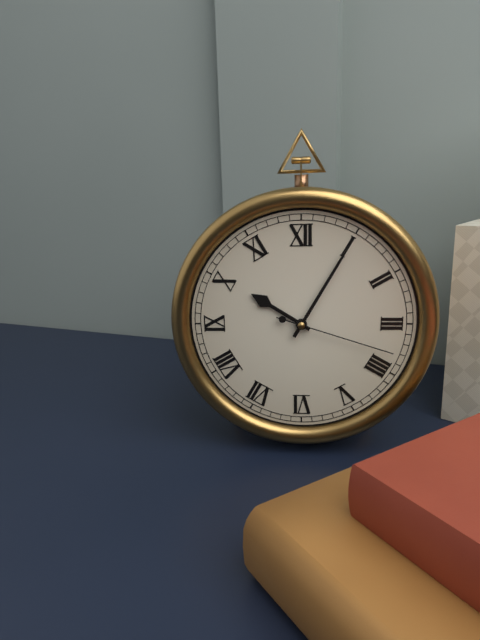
10:05:18
